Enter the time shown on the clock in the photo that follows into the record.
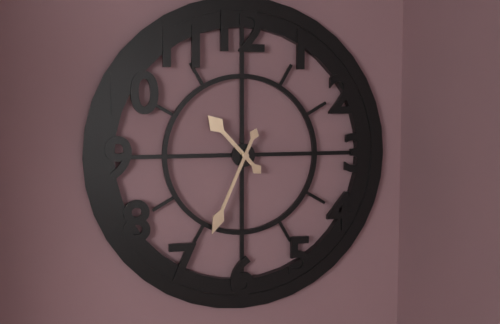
10:34
